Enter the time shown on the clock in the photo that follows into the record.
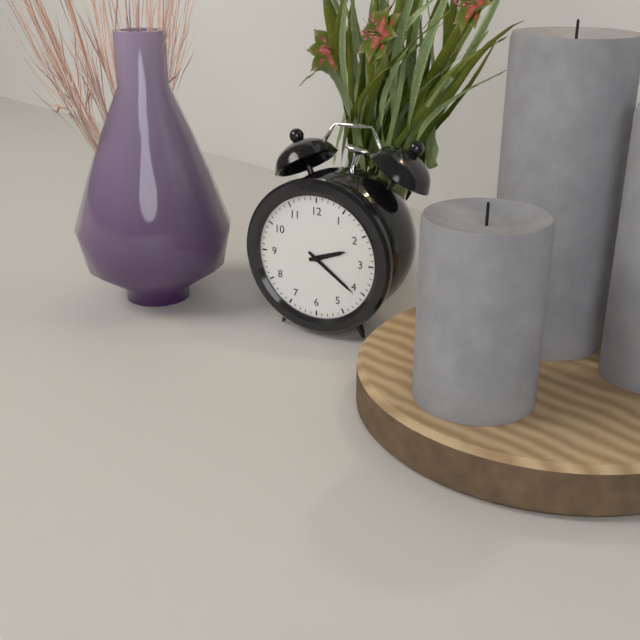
2:21
